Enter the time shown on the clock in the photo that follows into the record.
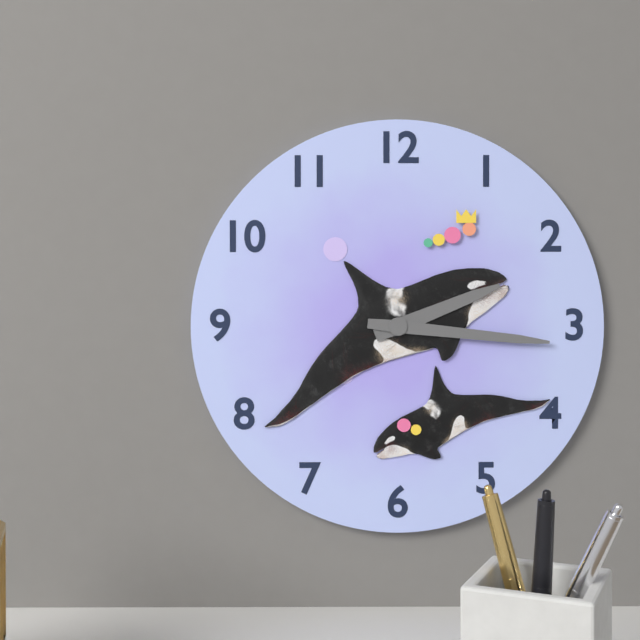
2:16
